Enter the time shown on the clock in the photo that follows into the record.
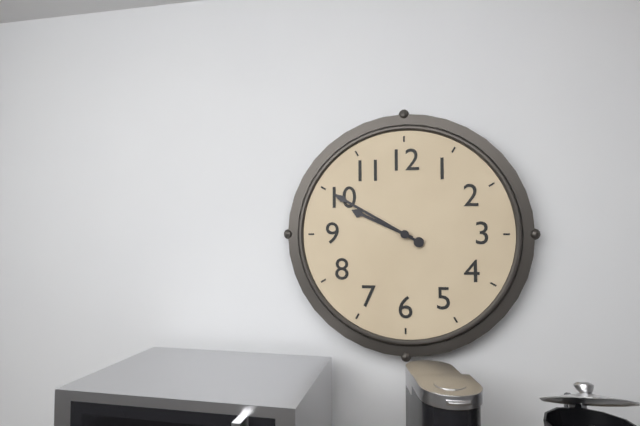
9:50
